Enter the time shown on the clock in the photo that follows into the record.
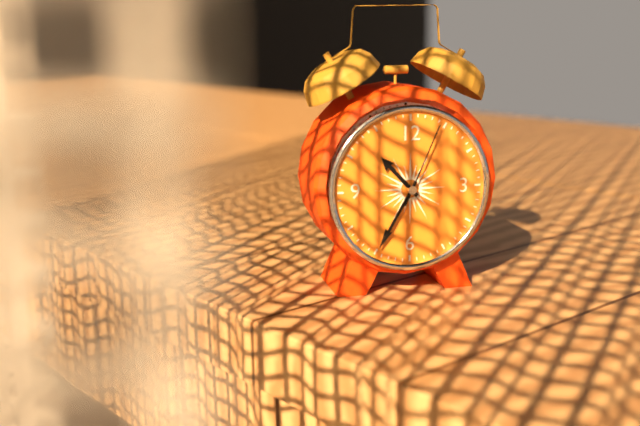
10:35:04
